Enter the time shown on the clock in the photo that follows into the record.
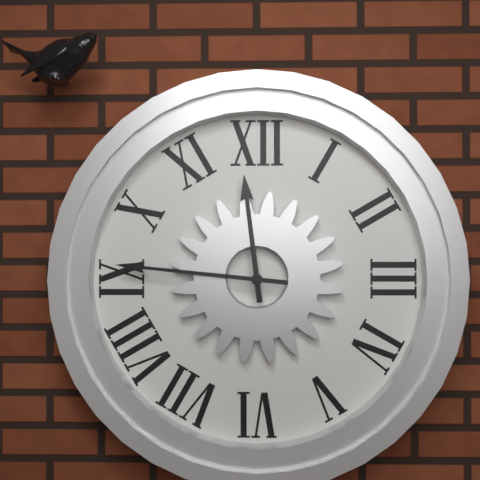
11:46
